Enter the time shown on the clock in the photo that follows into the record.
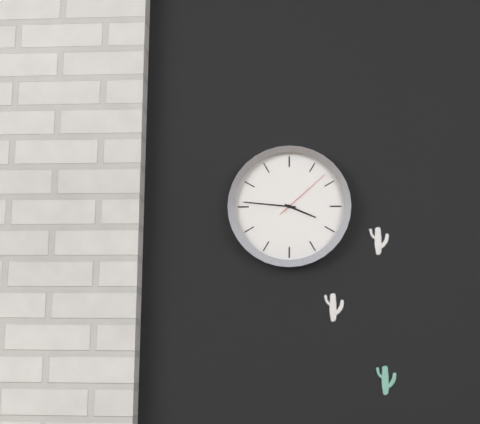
3:46:08
